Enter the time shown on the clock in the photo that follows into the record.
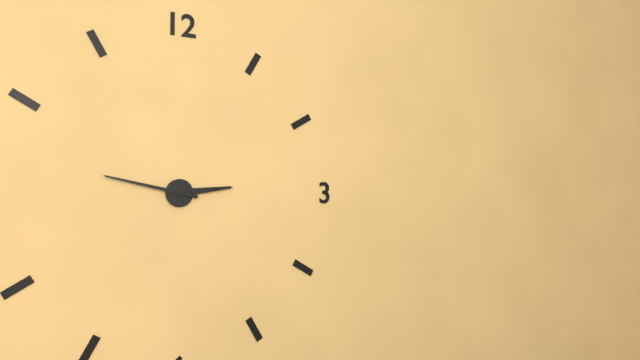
2:47
